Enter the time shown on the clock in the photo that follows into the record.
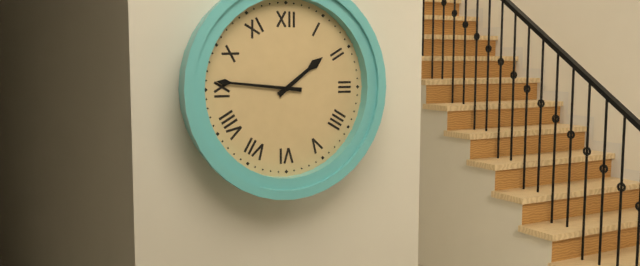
1:46
